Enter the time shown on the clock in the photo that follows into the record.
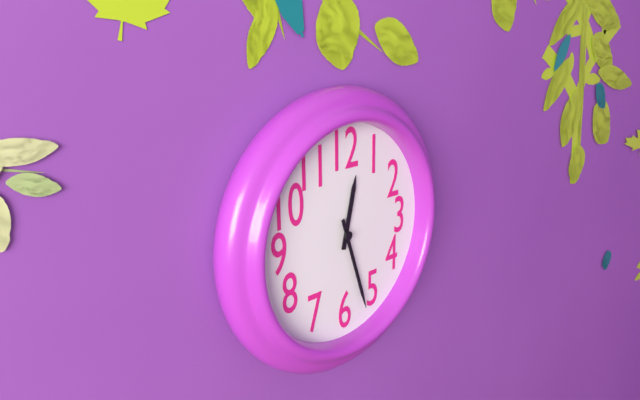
12:27
